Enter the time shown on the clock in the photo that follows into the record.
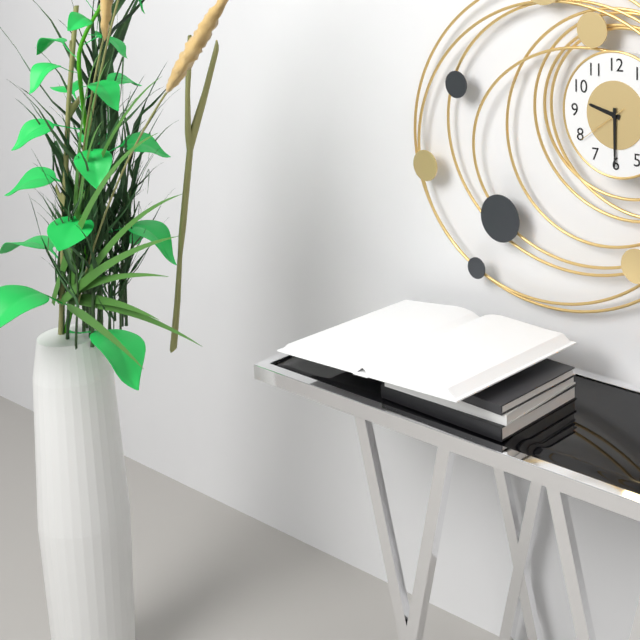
9:30:39
